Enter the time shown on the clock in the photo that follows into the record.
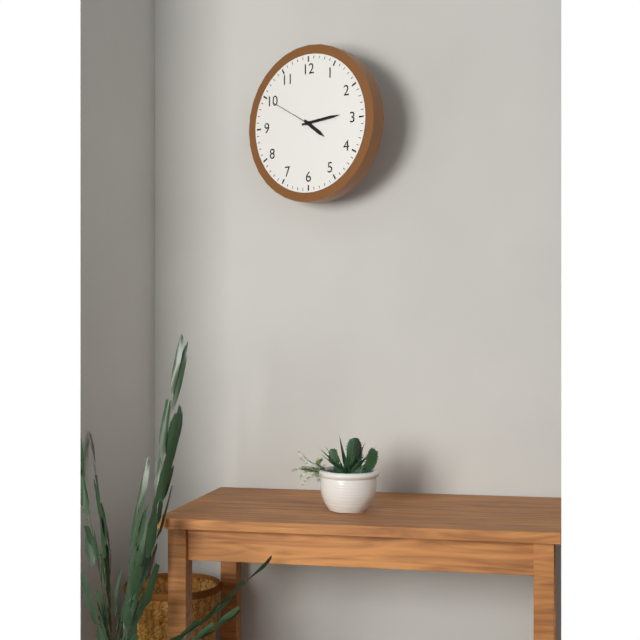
4:14:50
